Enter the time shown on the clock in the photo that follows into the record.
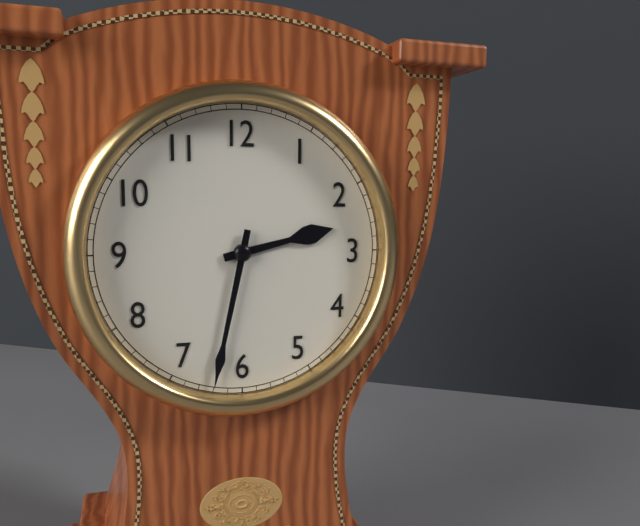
2:32
